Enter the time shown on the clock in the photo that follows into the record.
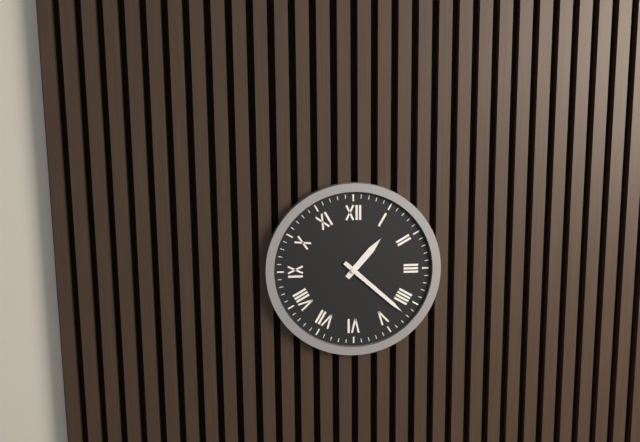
1:22
